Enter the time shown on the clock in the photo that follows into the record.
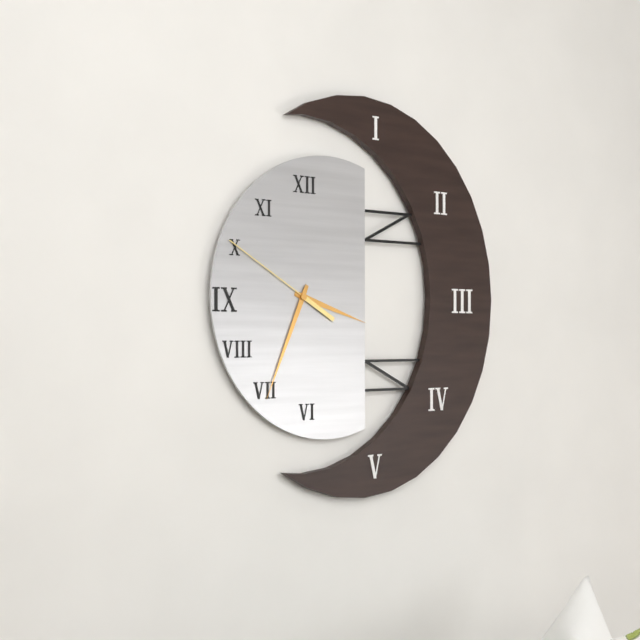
3:34:50
